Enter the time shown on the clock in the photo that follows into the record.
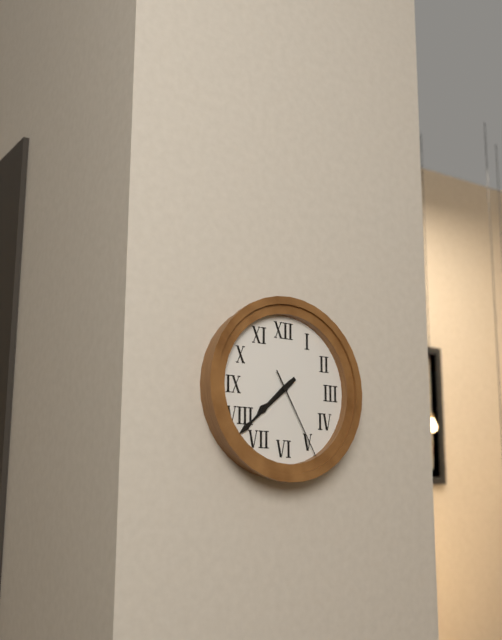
7:38:25
